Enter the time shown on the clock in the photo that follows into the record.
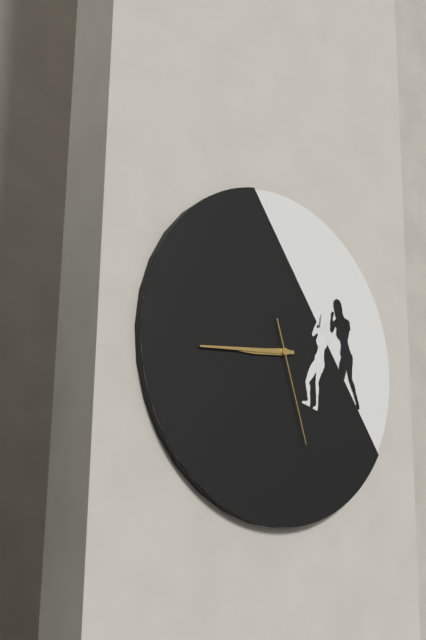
8:44:27
